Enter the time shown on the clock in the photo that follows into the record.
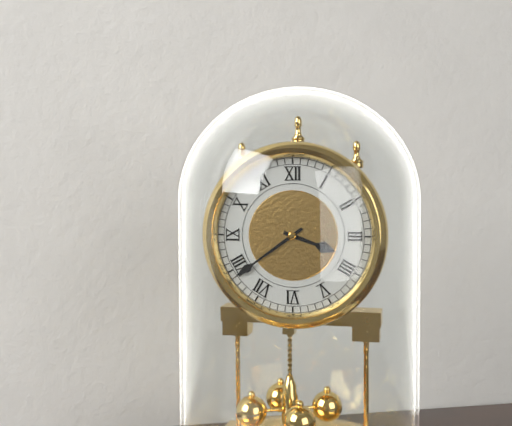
3:39
